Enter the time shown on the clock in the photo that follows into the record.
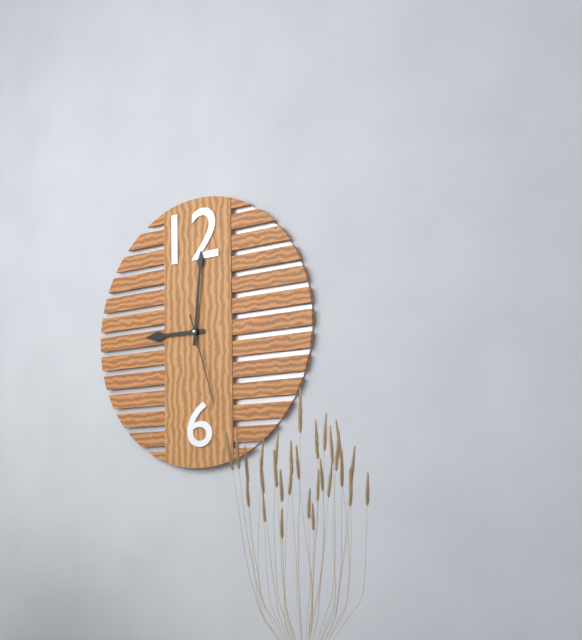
9:01:27
